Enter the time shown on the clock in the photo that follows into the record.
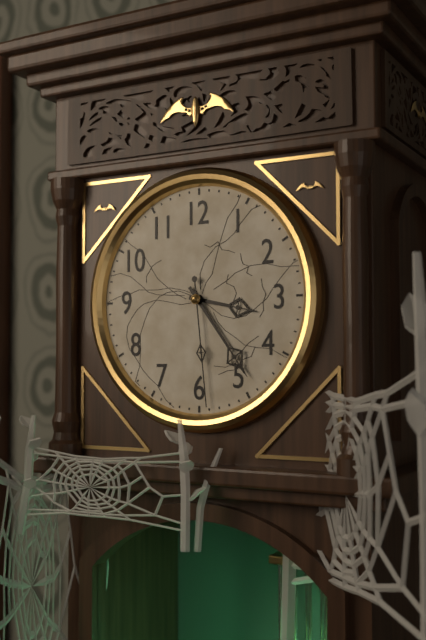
3:24:29
